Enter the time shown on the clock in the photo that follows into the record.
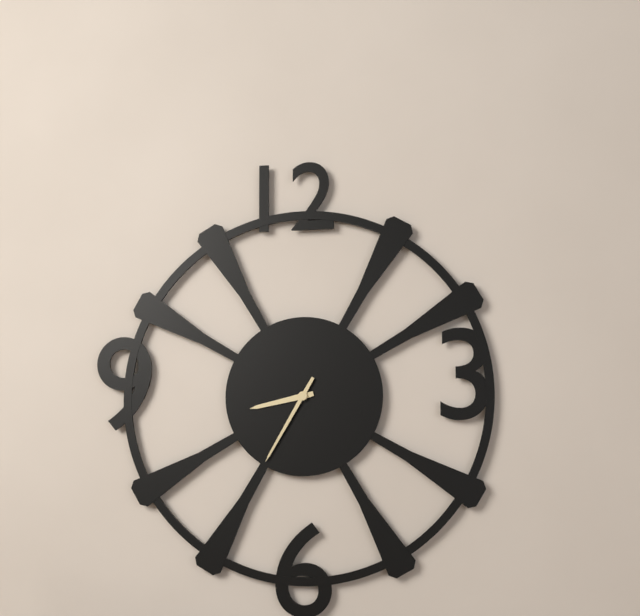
8:35
